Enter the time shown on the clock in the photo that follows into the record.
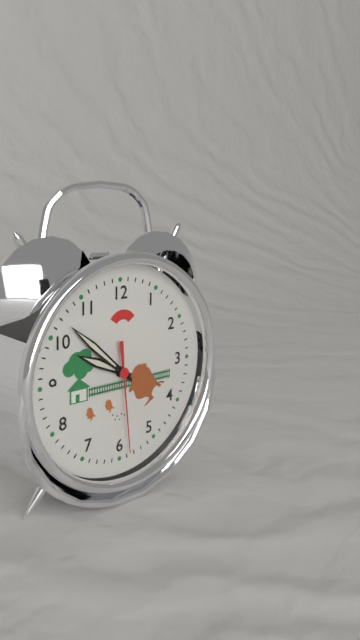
9:52:29
